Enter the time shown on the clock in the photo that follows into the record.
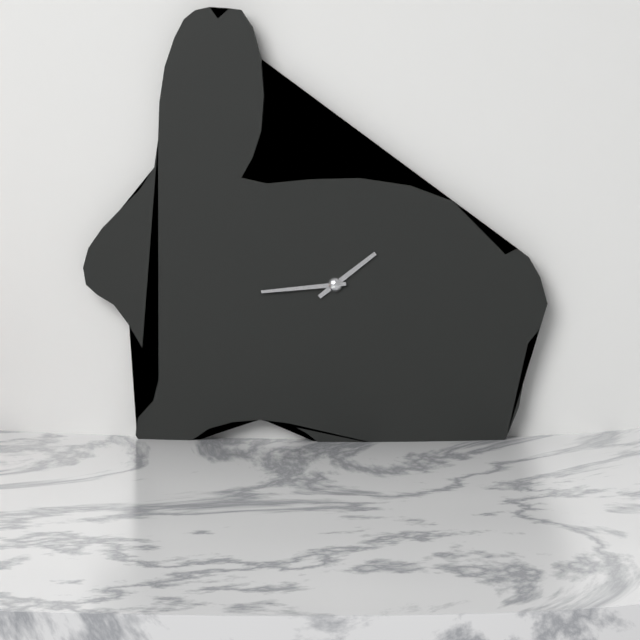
1:44
